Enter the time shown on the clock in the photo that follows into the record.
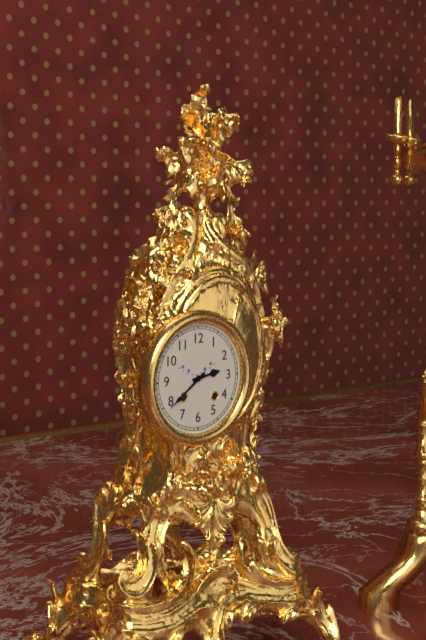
2:39
